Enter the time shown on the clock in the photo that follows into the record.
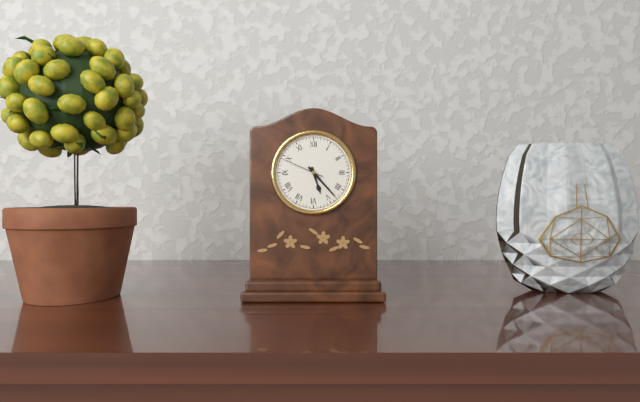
5:23
